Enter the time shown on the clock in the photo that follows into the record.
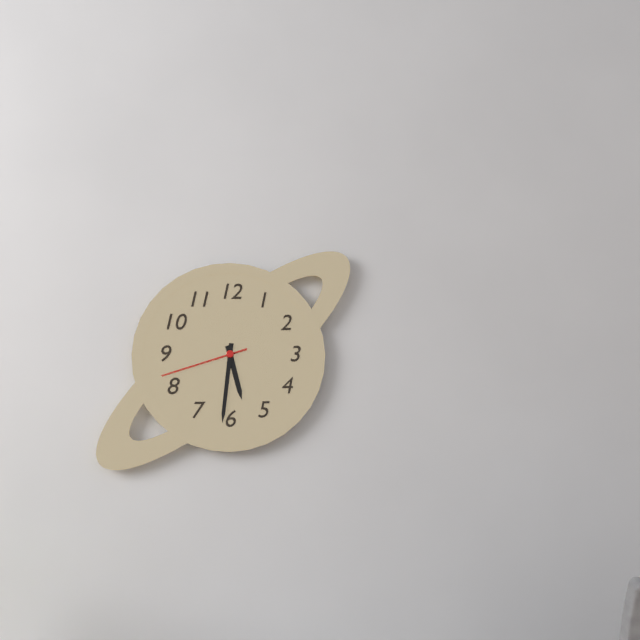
5:31:42
